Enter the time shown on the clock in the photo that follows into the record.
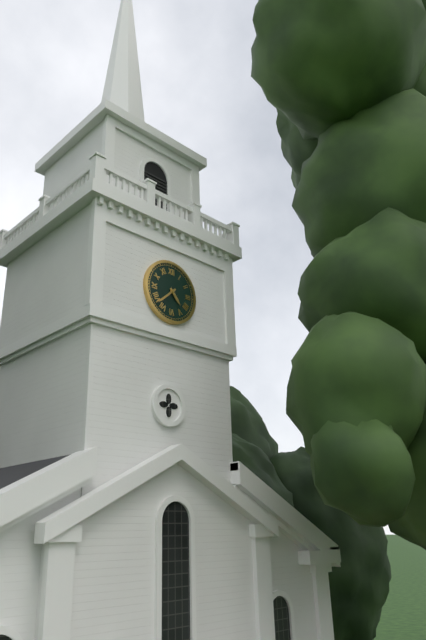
4:38
